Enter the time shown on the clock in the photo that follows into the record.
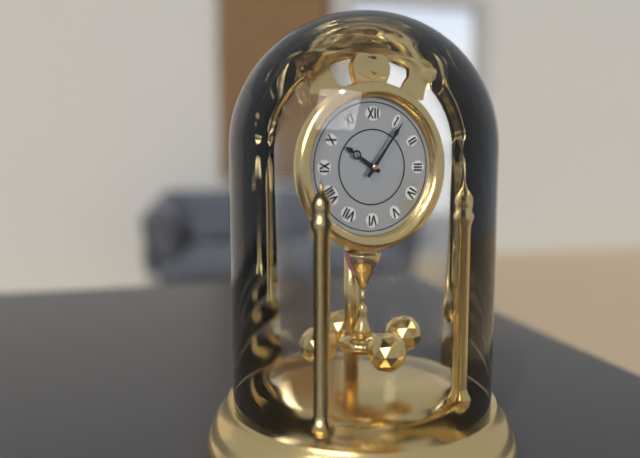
10:06
